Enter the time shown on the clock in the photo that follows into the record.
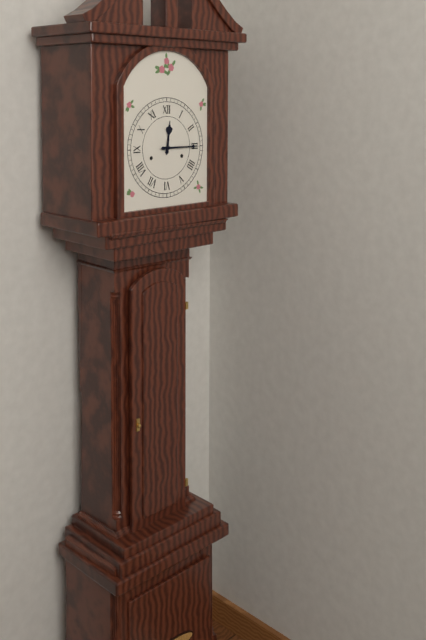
12:15
